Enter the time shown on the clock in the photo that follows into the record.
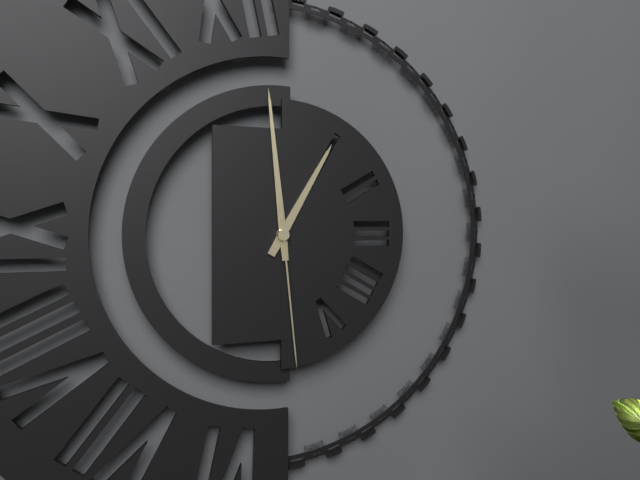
12:59:29
